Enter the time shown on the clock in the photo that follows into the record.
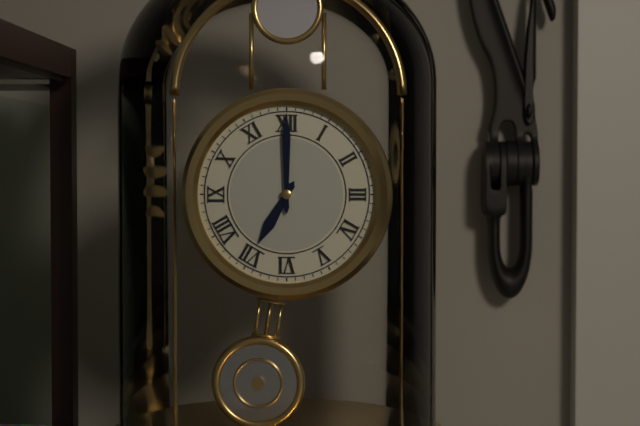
7:00
